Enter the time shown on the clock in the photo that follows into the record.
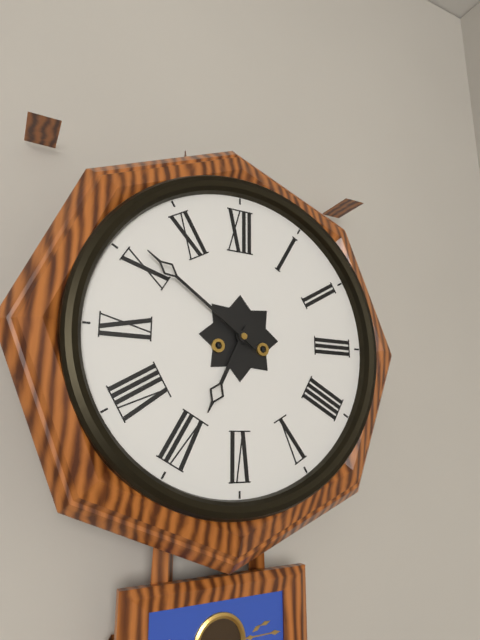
6:51
